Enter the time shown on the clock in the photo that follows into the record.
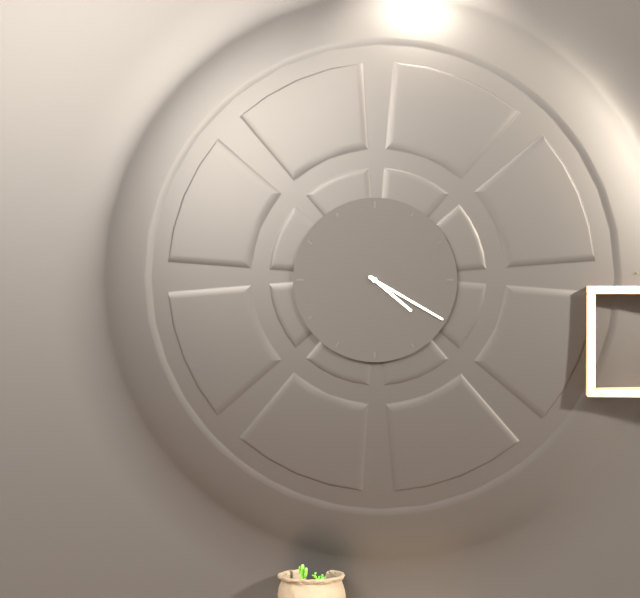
4:20
